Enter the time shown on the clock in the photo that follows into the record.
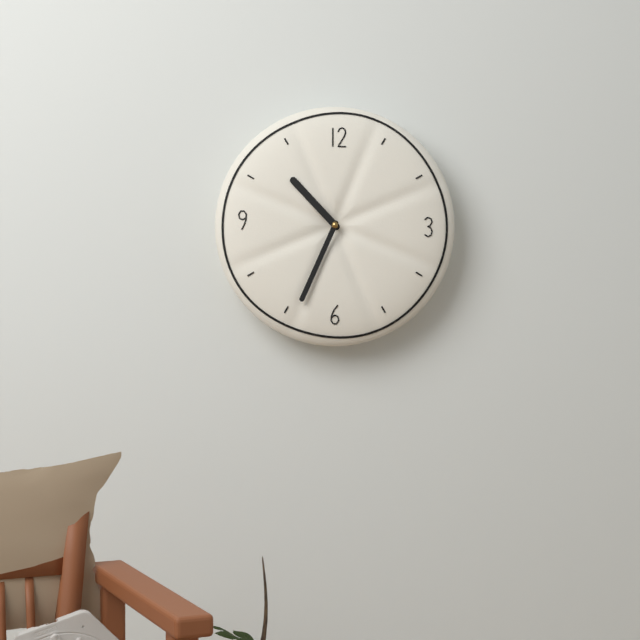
10:34
